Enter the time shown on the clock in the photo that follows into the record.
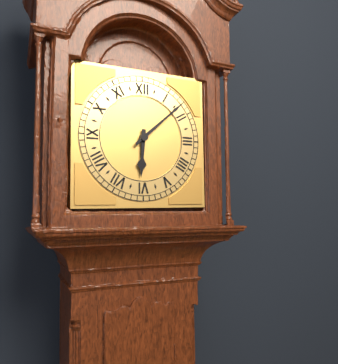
6:08
